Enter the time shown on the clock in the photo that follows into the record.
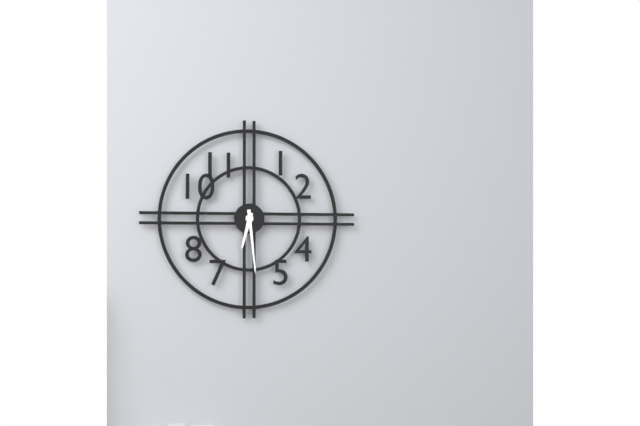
6:29
